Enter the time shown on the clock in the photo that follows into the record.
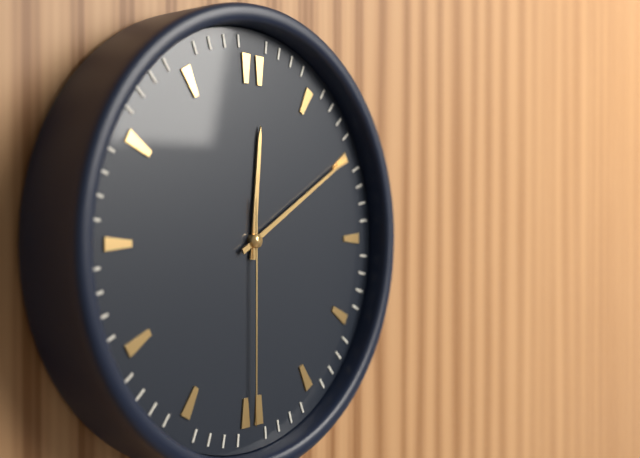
12:10:30
